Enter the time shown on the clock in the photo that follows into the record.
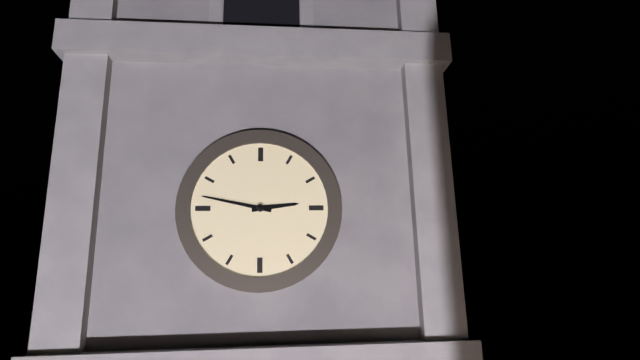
2:47
